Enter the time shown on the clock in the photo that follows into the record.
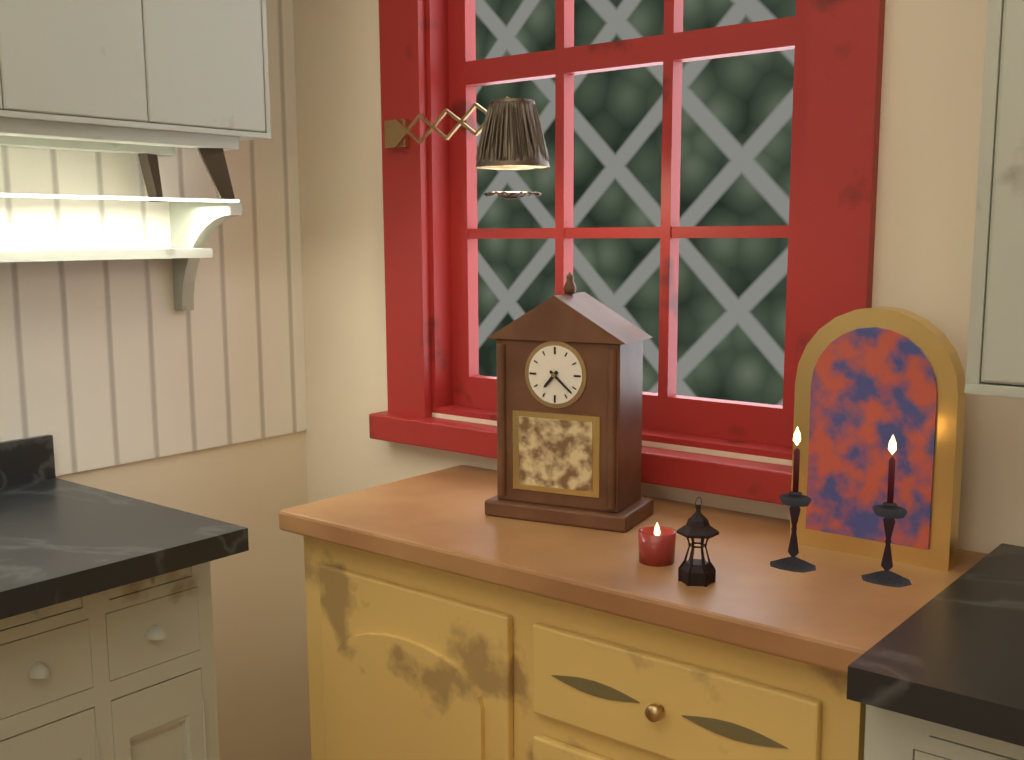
7:22
